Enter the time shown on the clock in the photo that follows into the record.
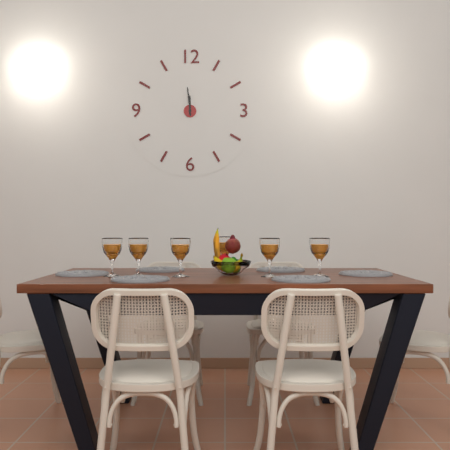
11:59
